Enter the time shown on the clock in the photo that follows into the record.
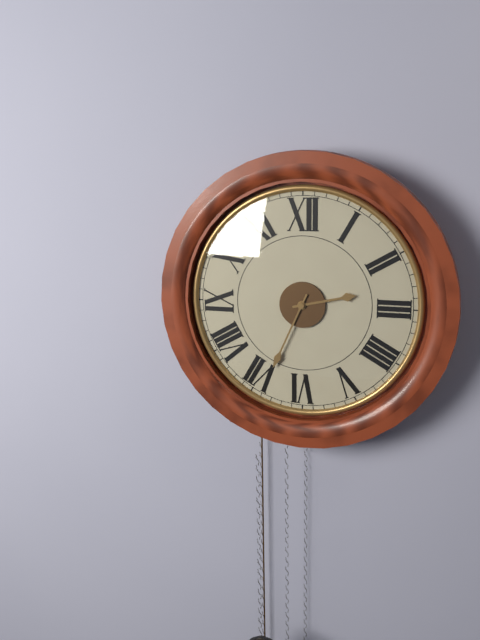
2:34
